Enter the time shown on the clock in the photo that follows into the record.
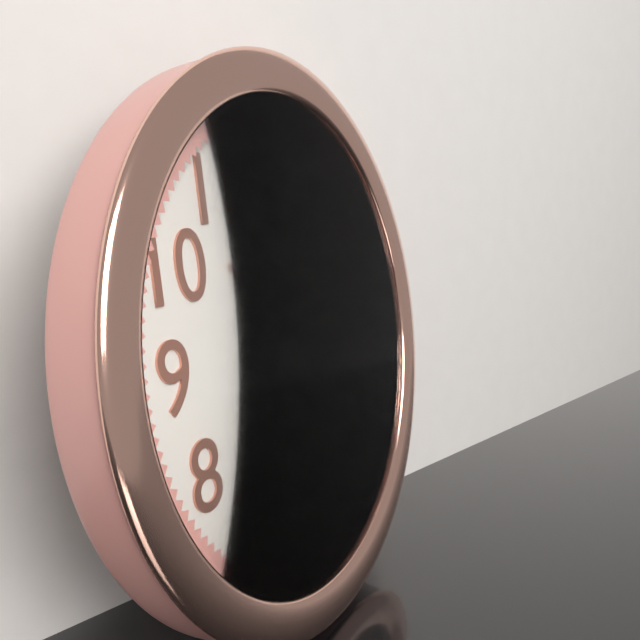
10:31:06
